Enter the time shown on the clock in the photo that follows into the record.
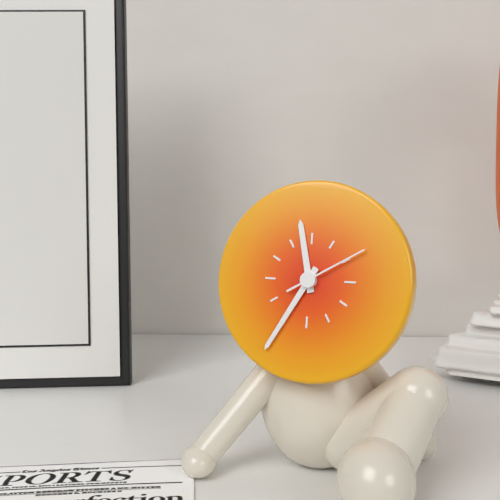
11:35:10
